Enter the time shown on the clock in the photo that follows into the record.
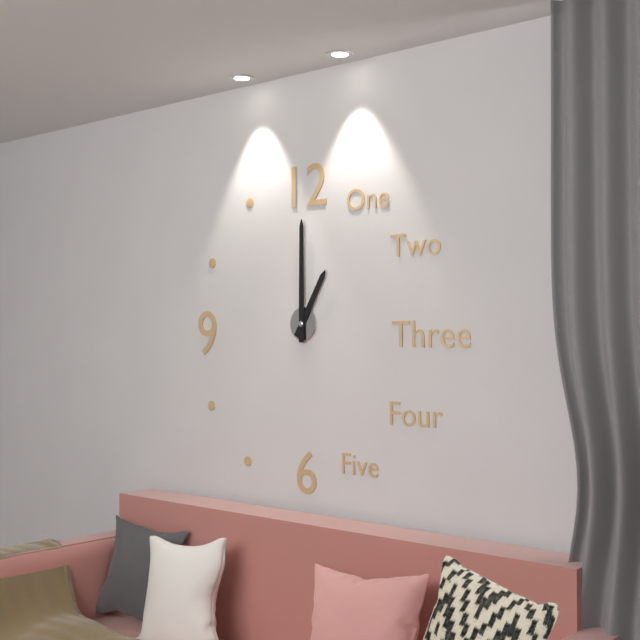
1:00
